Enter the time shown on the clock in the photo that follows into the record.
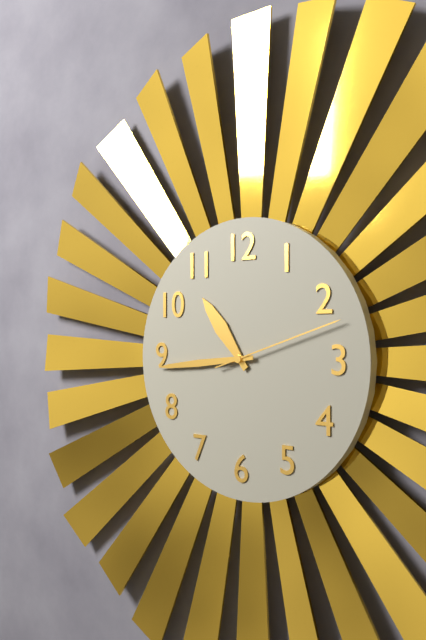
10:44:12
